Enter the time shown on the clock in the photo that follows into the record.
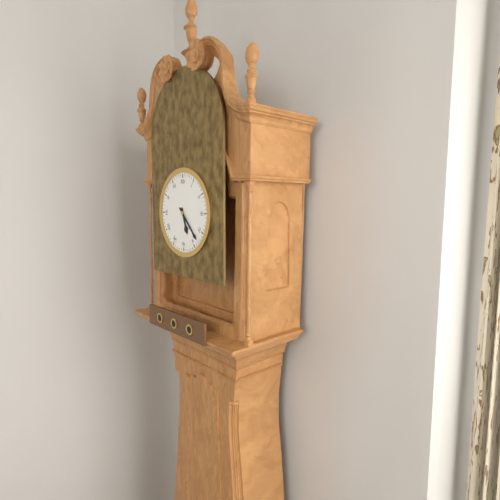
5:23
